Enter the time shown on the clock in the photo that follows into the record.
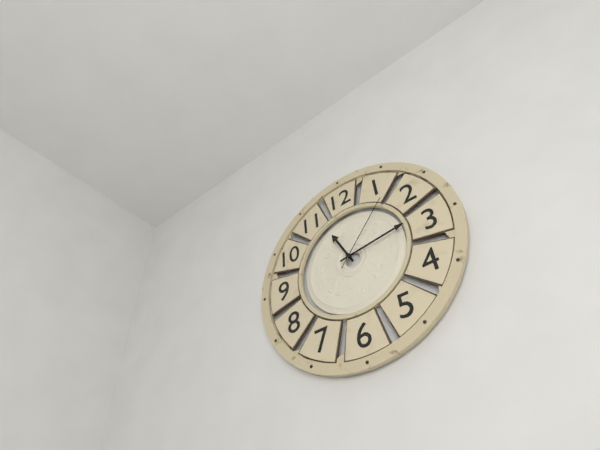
11:14:07
